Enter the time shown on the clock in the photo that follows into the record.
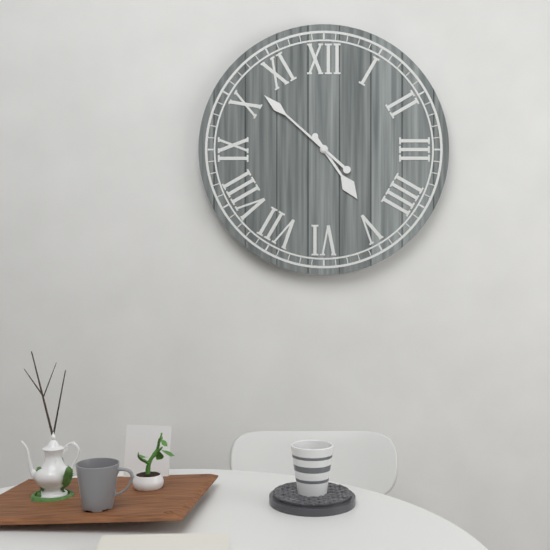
4:52
